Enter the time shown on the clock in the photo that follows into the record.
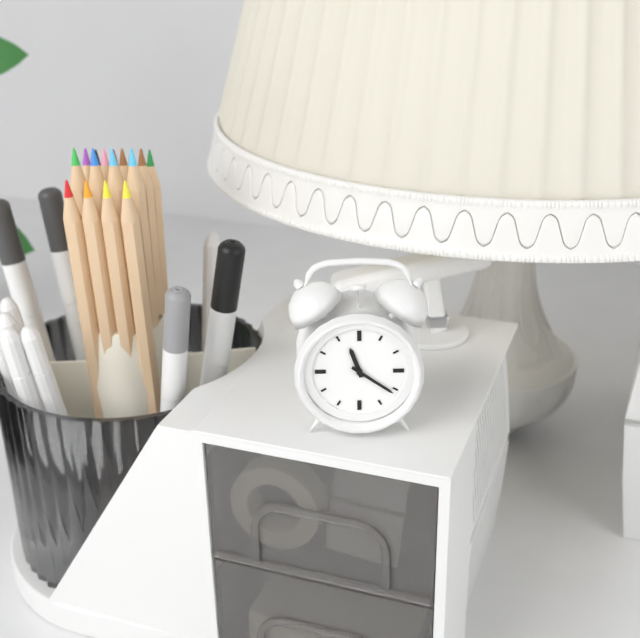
11:21
